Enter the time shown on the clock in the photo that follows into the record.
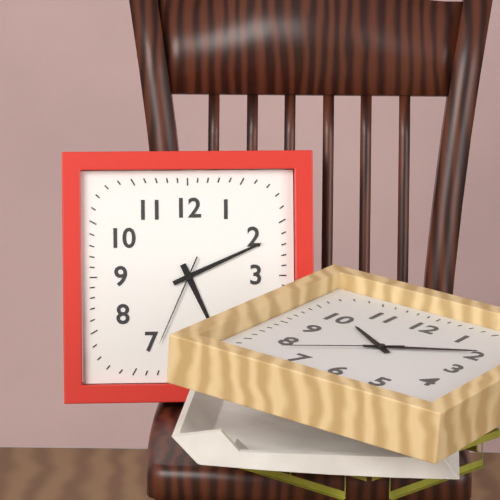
5:11:34
